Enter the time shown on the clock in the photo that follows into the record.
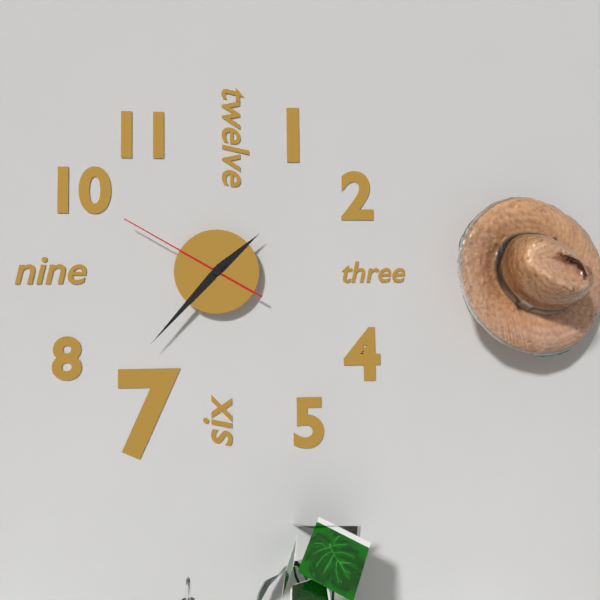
1:37:50
